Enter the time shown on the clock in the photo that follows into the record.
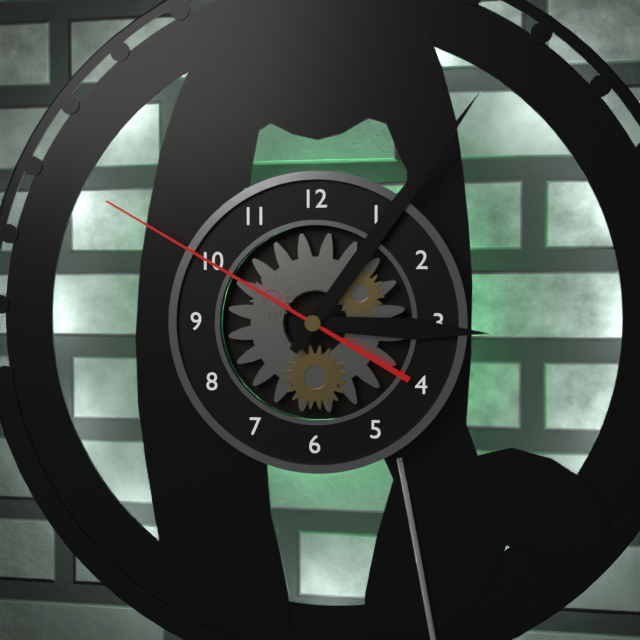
3:06:50
